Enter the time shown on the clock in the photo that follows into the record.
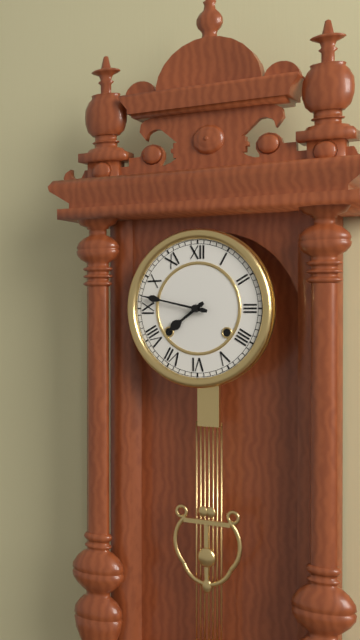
7:47
